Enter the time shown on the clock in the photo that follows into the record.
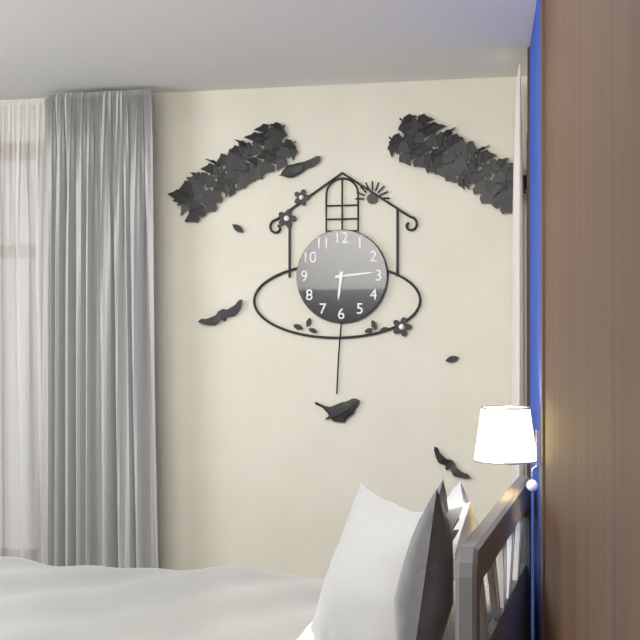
6:14
